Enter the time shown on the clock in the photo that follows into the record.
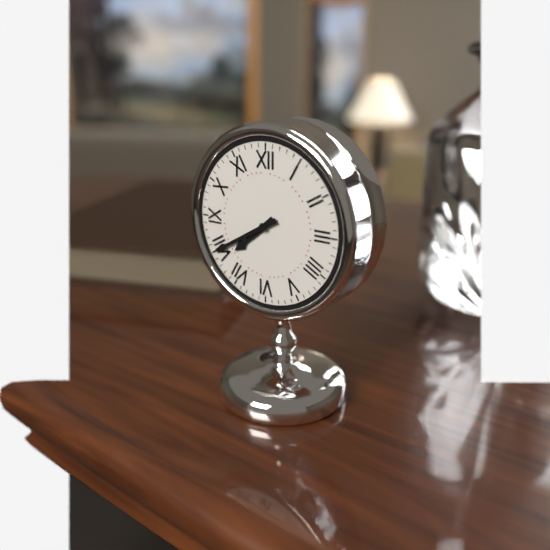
7:40
